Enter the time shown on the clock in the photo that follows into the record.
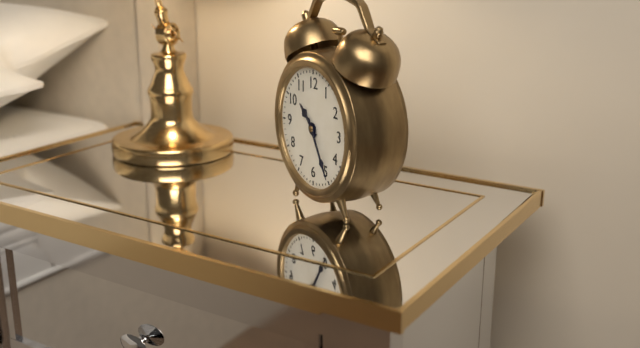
10:25
